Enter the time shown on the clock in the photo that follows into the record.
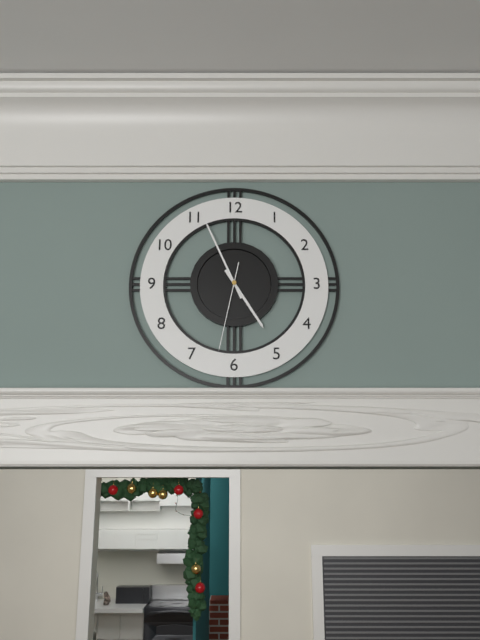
4:56:32
